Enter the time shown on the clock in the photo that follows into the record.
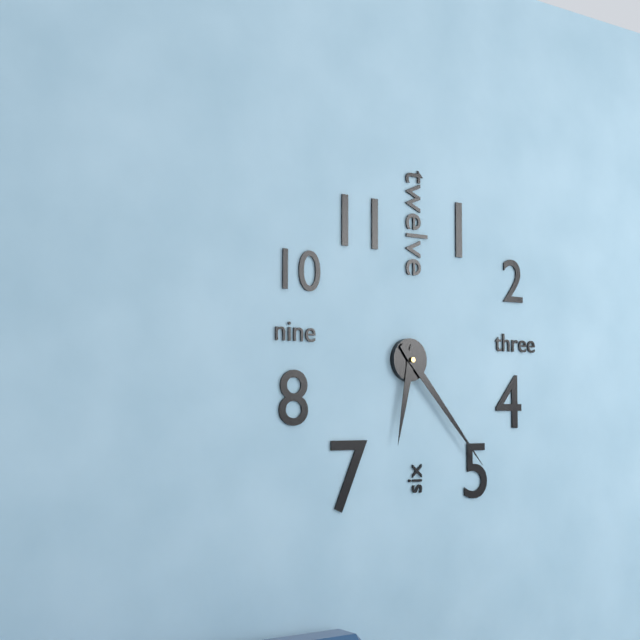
6:23
